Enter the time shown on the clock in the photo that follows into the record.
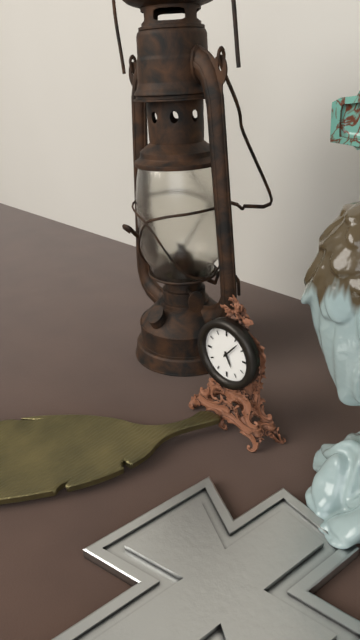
5:07
